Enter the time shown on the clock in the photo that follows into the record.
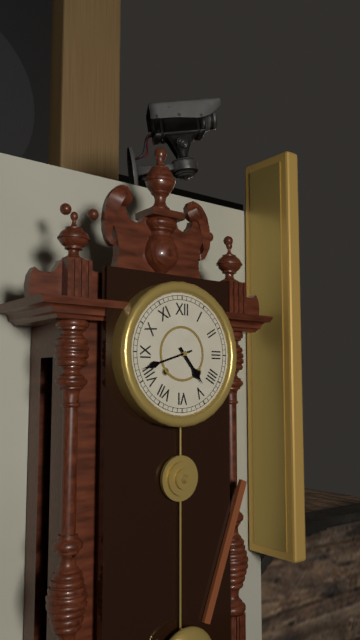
4:42
